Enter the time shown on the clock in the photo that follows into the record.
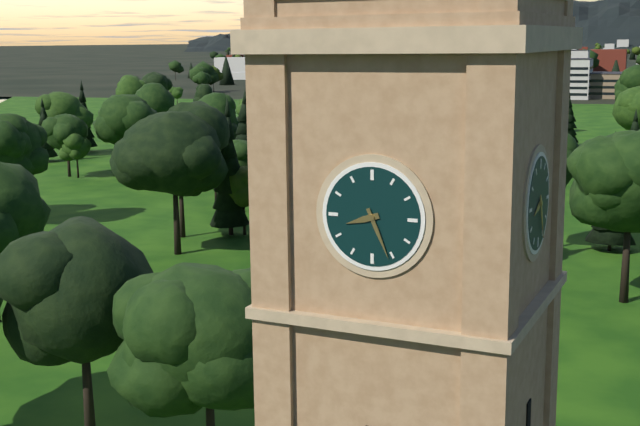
8:26
